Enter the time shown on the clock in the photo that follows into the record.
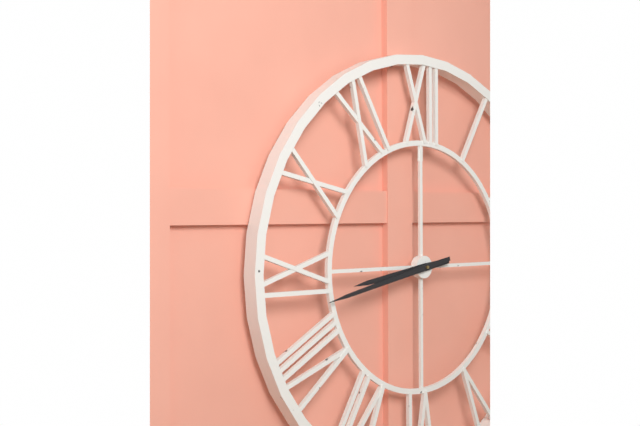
8:43
